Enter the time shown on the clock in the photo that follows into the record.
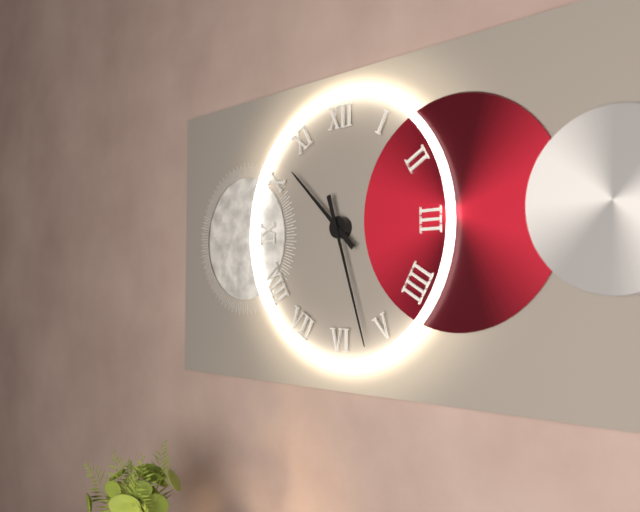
10:27
